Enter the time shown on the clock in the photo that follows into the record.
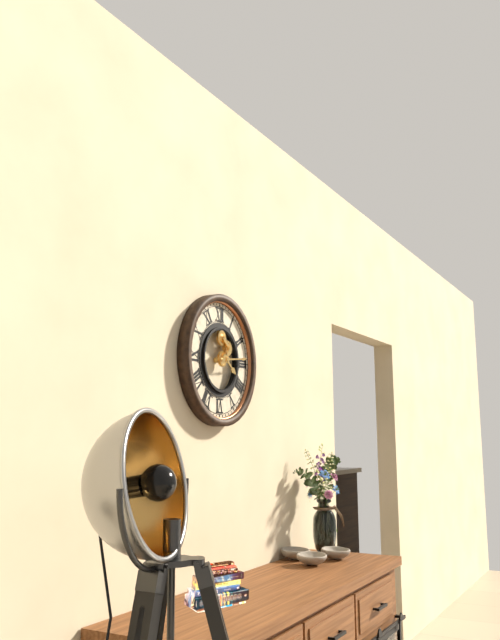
4:14
